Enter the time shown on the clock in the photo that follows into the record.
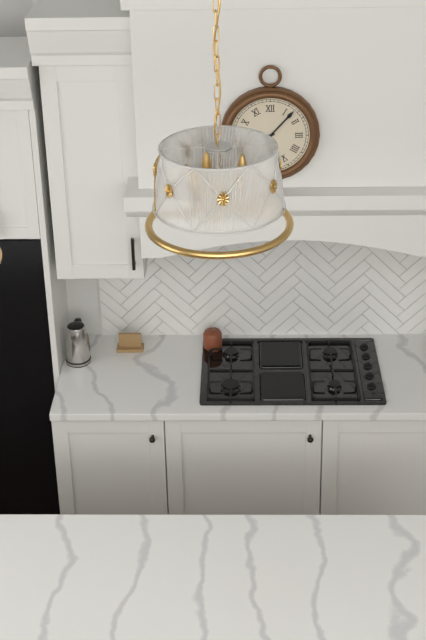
8:07
